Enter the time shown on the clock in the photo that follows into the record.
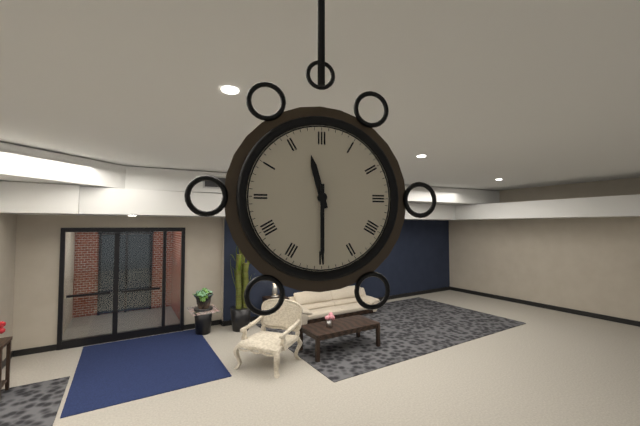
11:30
